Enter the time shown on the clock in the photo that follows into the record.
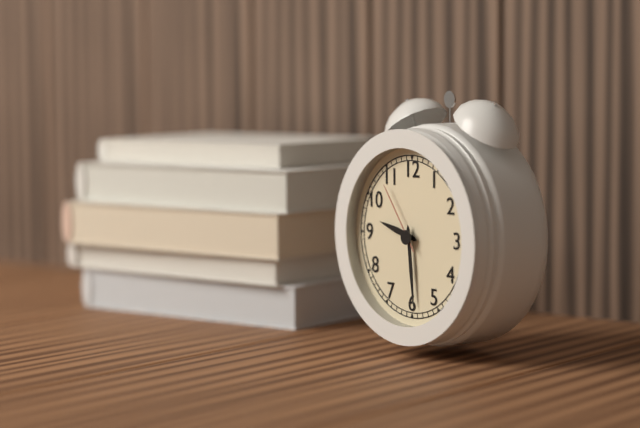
9:29:54
